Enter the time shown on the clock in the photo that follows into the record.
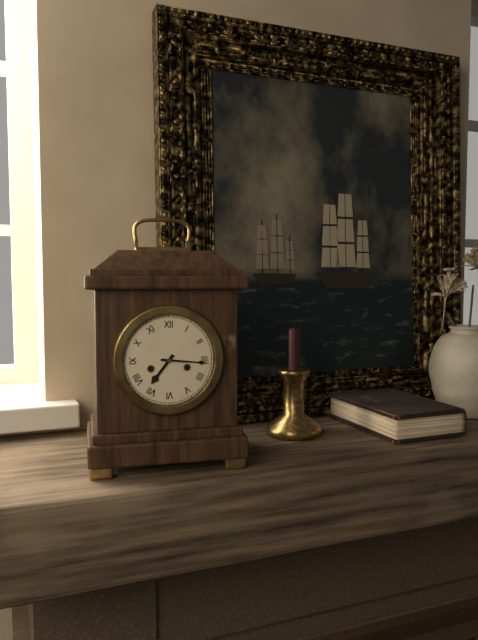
7:16
